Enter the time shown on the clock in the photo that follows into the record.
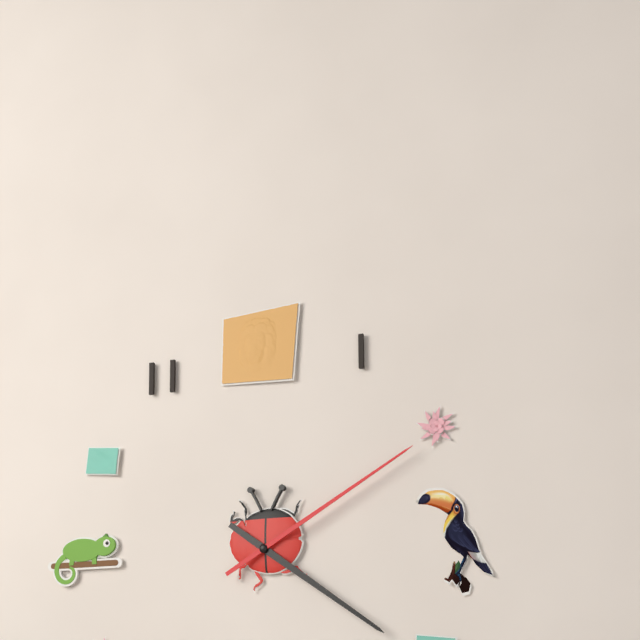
4:10
